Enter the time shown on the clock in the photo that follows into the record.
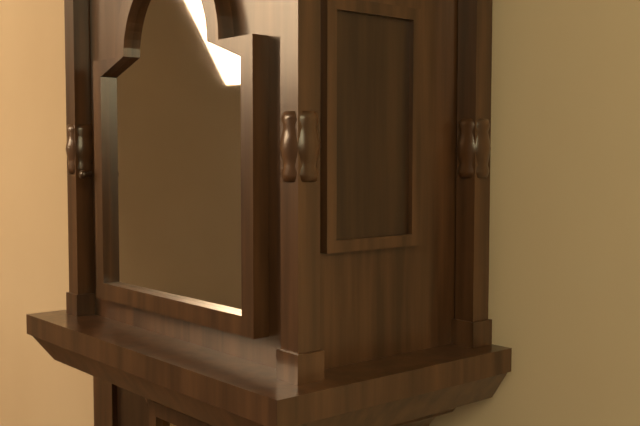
7:05
